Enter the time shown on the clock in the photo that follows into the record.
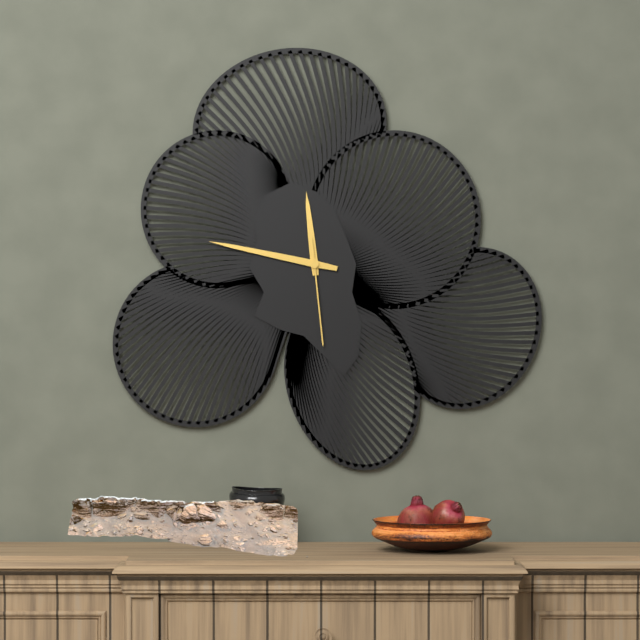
11:47:29
